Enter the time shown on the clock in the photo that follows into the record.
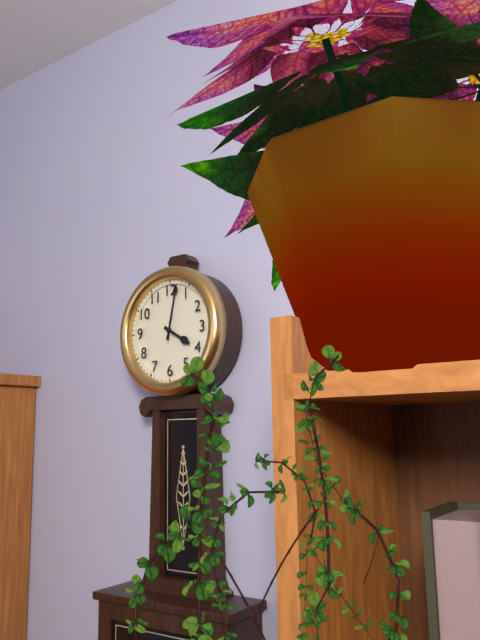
4:02
